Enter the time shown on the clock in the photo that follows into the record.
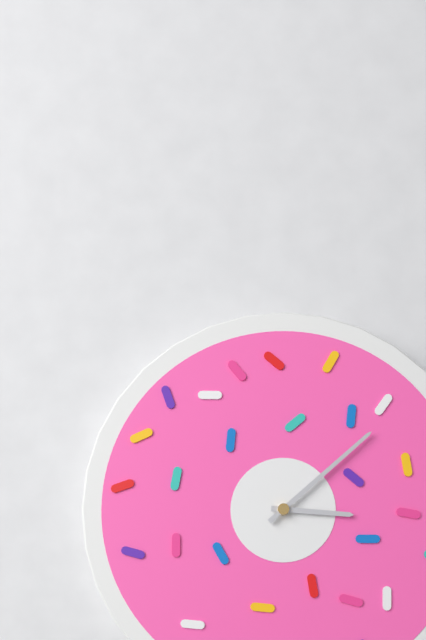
3:08
